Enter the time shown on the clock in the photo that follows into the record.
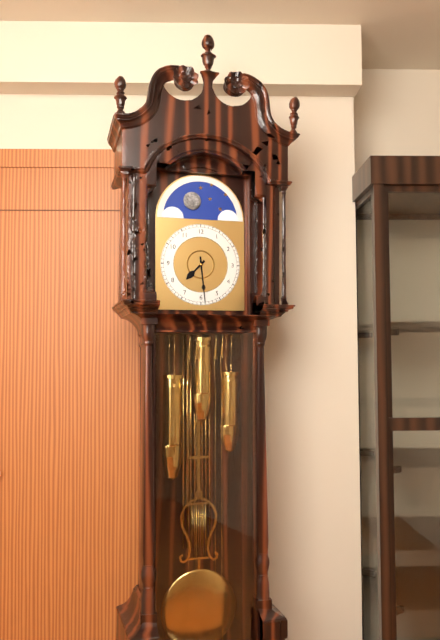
7:29
